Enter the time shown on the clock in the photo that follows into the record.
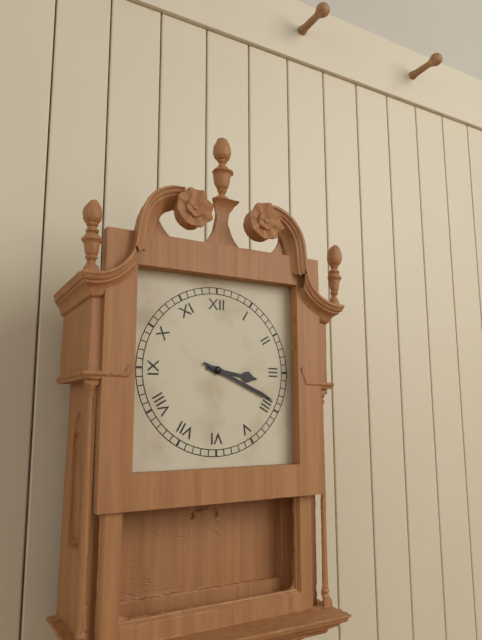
3:19
